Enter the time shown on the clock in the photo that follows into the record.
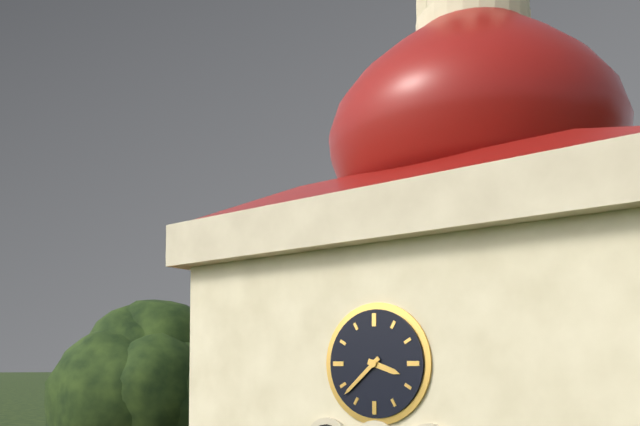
3:38
